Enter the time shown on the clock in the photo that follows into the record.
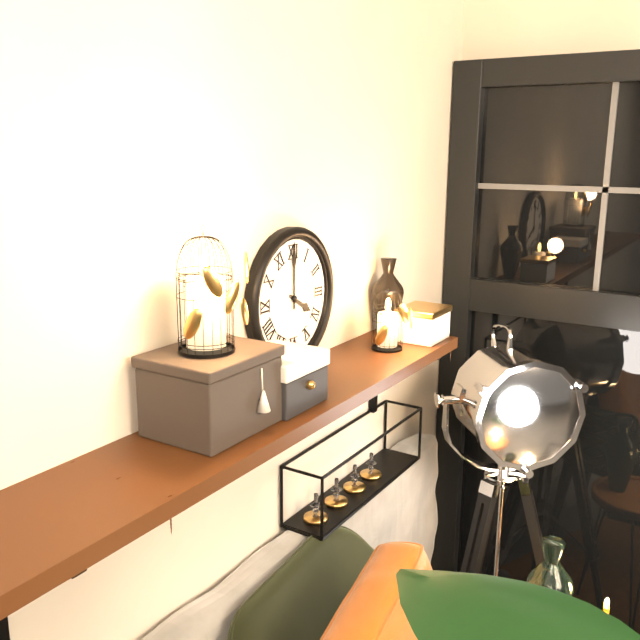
4:00
